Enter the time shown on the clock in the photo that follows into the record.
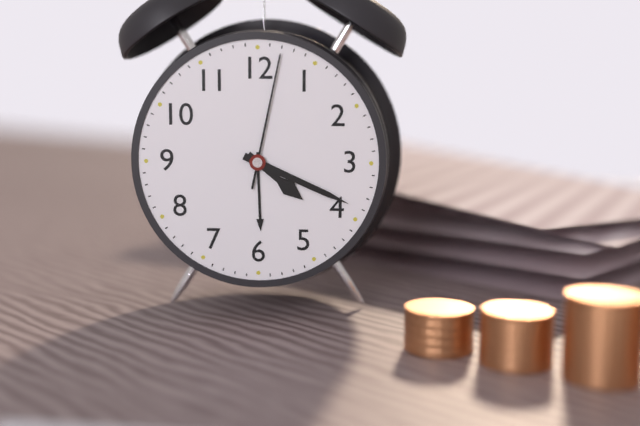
4:19:02
